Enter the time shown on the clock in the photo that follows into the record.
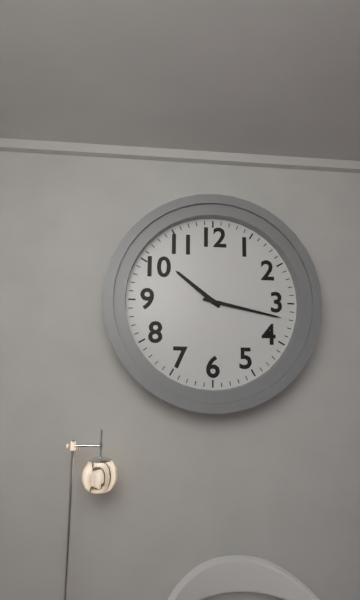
10:17
